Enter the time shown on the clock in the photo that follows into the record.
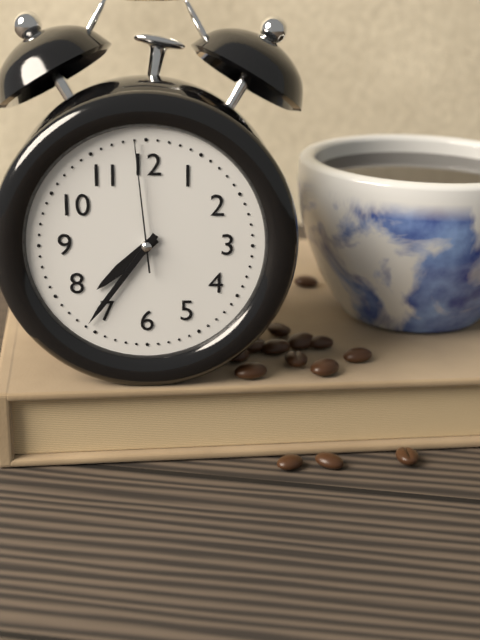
7:36:59
